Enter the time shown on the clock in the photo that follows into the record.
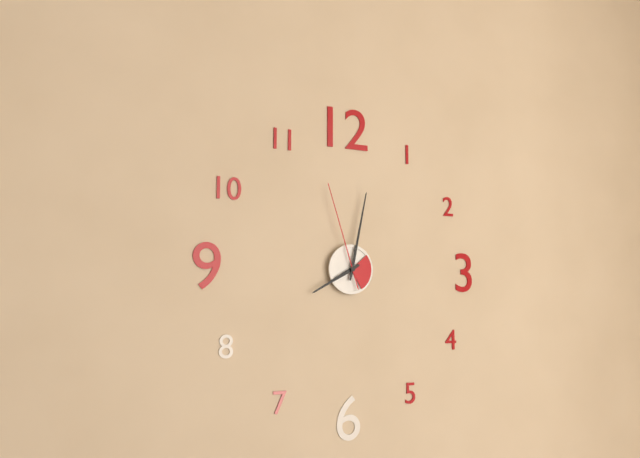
8:02:57
